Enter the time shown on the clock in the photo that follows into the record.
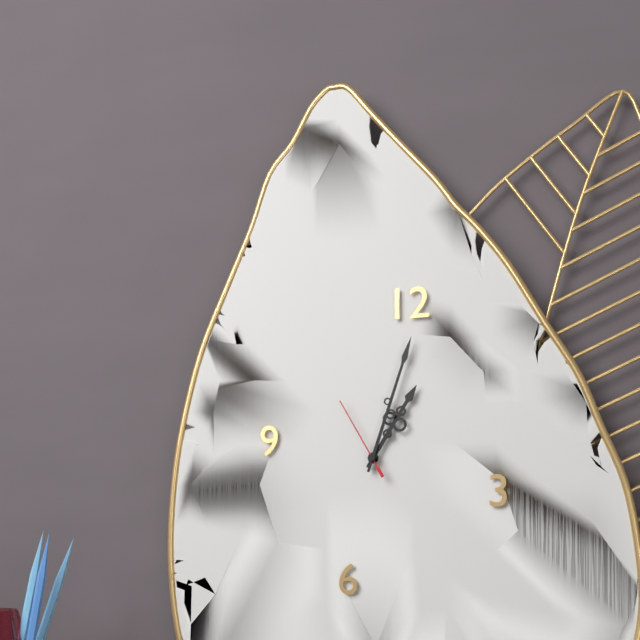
1:03:55
